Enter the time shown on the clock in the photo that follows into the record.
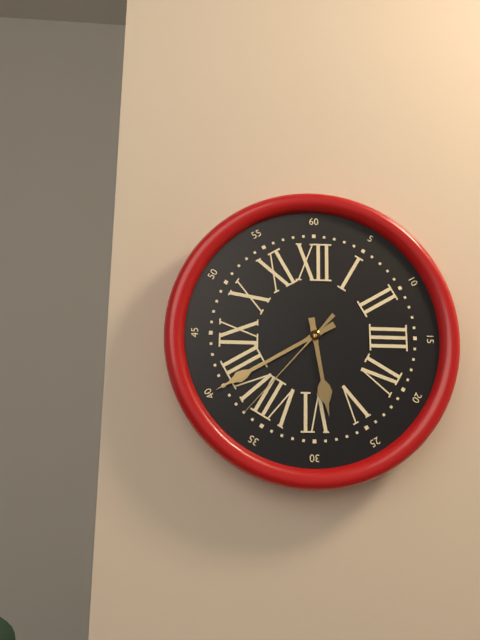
5:40:37
